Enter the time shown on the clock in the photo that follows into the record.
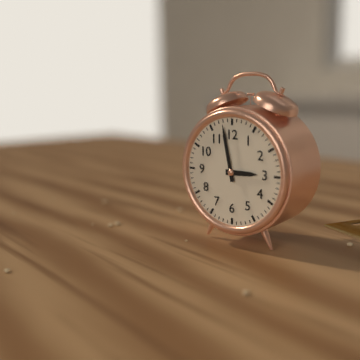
2:58
